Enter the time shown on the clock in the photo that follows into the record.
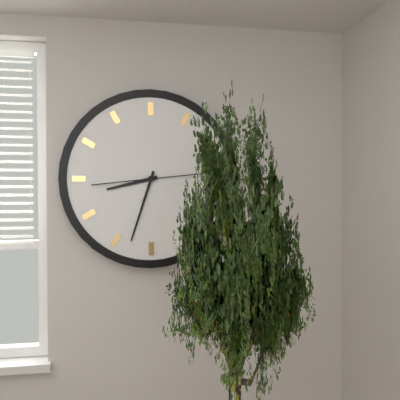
8:33
